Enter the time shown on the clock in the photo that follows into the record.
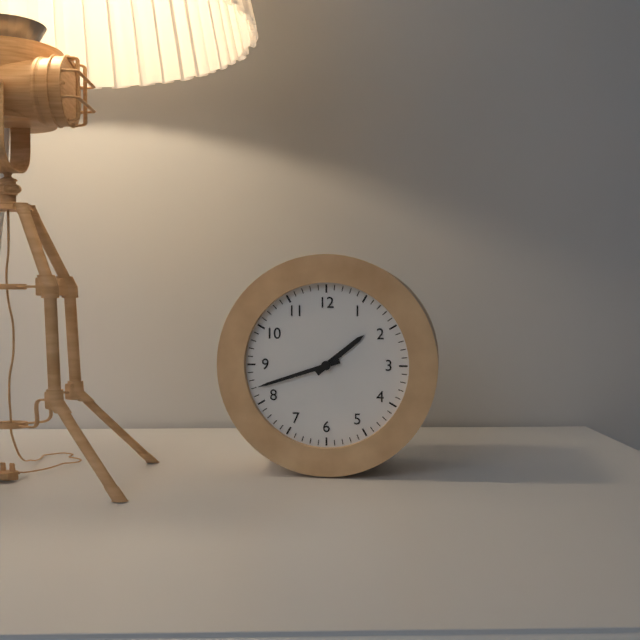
1:42
